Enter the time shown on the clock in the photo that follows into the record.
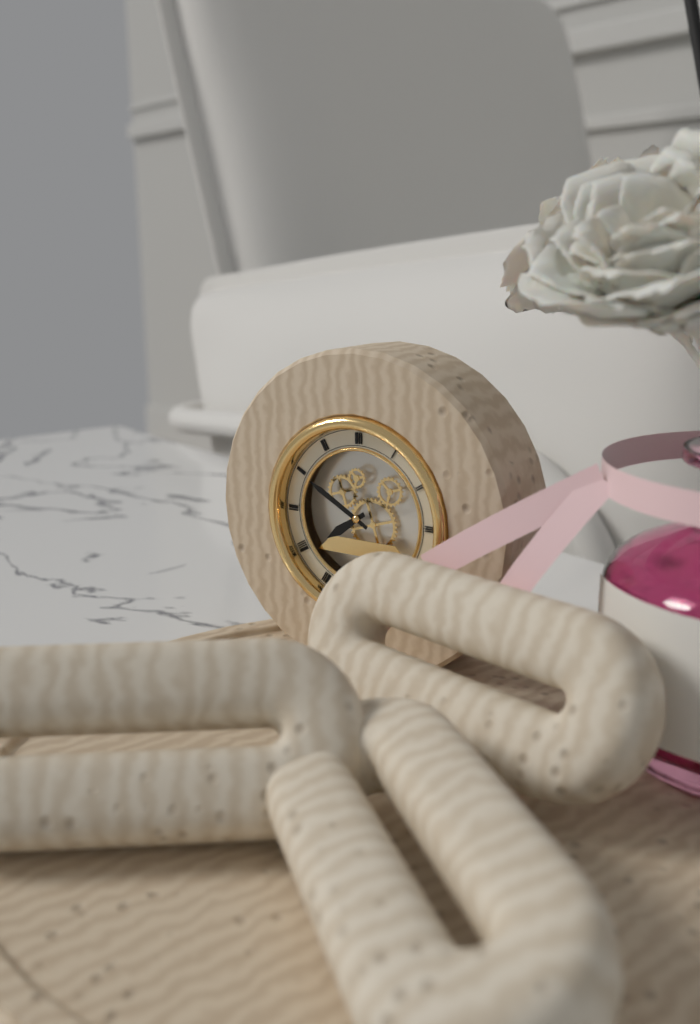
7:50
